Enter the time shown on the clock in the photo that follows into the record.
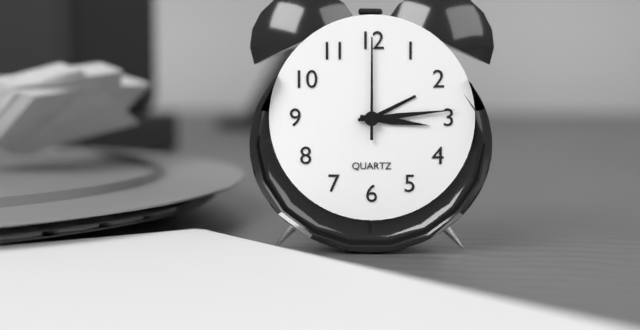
3:14:00
